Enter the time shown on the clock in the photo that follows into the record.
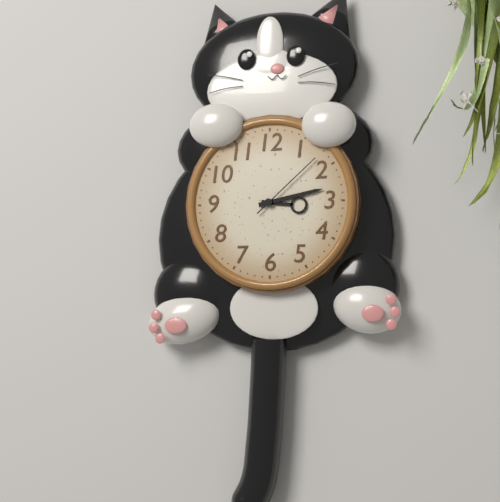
3:13:08
